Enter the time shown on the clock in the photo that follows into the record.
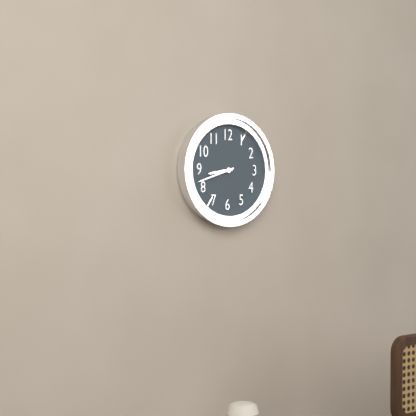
8:42
